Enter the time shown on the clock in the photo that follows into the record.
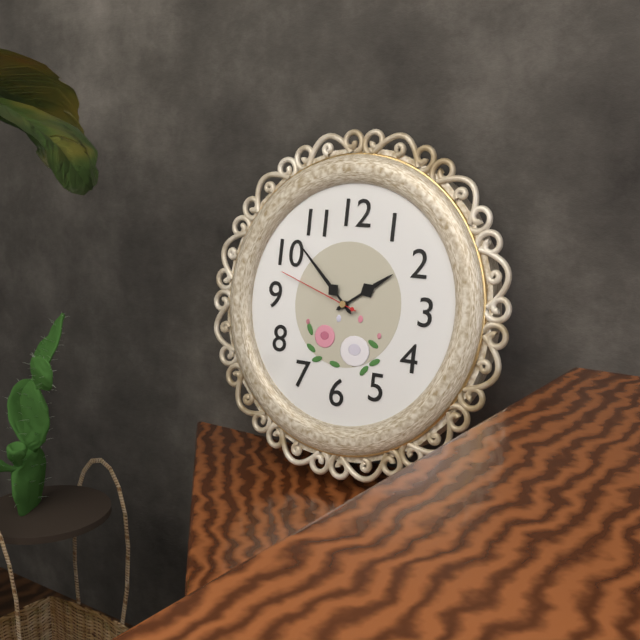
1:52:48
